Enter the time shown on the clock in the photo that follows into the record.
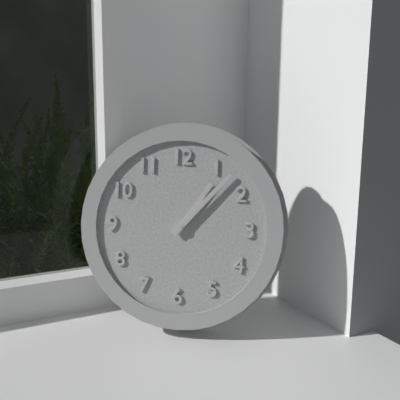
1:07
